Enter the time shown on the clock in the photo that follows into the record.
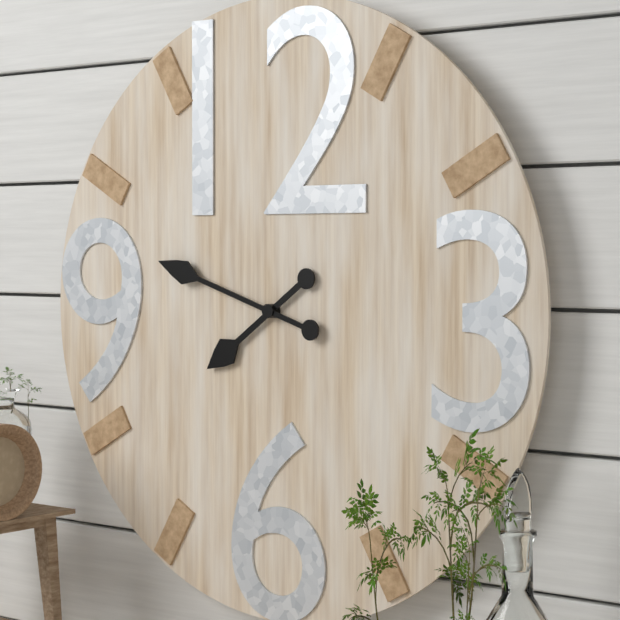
7:48
